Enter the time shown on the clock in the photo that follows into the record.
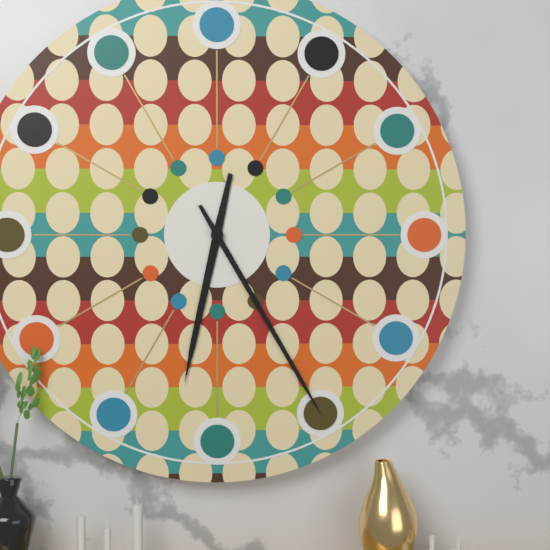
6:25
